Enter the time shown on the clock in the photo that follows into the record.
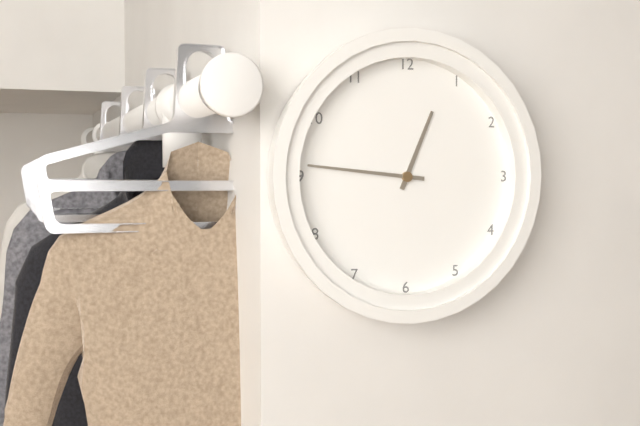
12:46
